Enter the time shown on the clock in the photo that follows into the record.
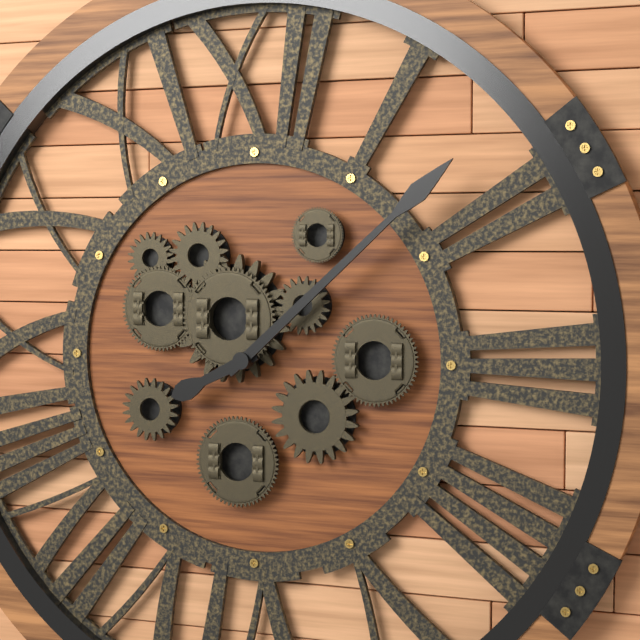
8:08
